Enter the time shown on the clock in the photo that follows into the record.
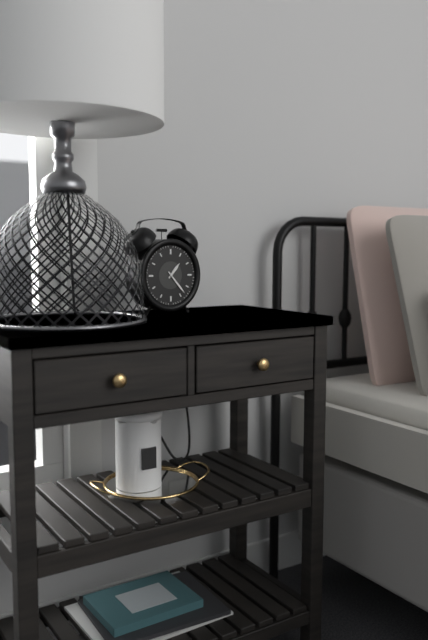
1:23
